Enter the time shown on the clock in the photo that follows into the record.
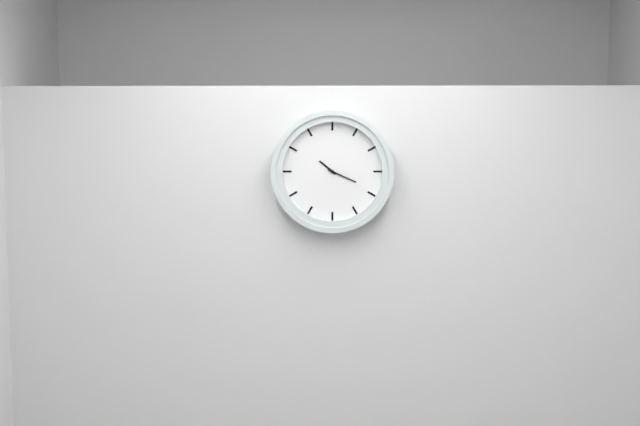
10:19
